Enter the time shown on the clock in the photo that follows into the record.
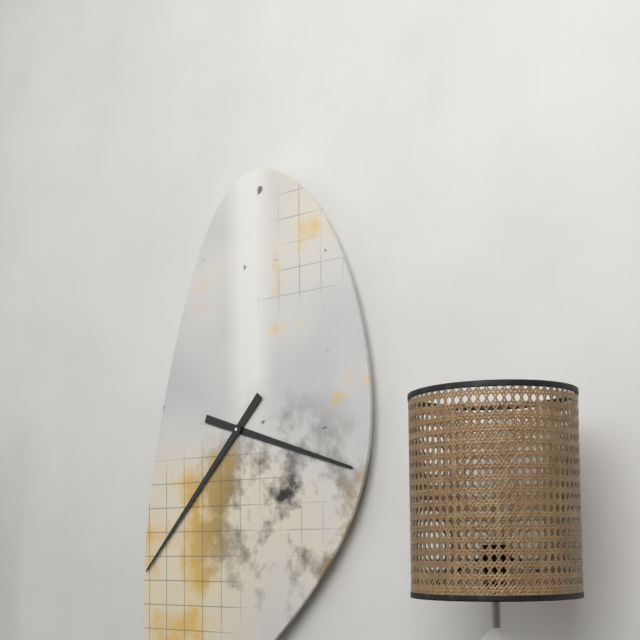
3:37
